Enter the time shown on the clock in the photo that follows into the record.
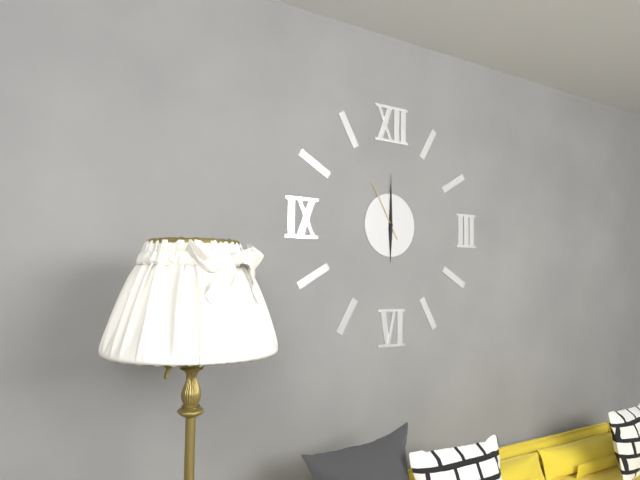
6:00:55
